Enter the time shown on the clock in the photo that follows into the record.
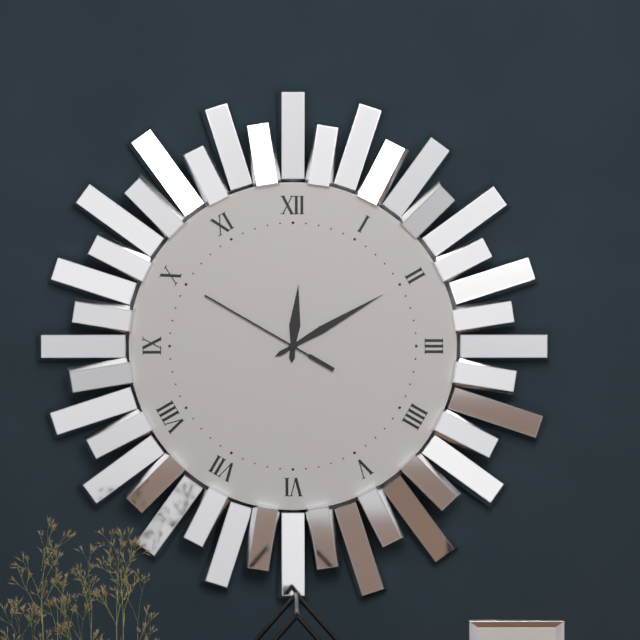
12:10:50
